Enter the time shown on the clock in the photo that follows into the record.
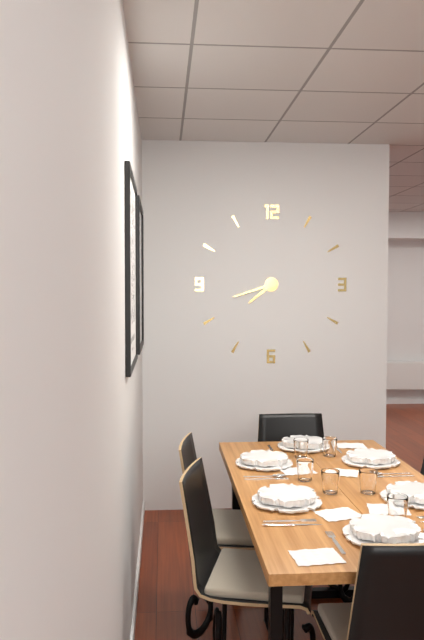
7:42
